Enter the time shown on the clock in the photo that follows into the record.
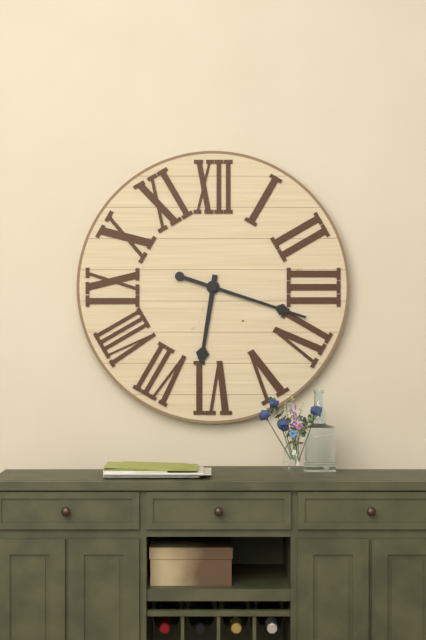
6:18
